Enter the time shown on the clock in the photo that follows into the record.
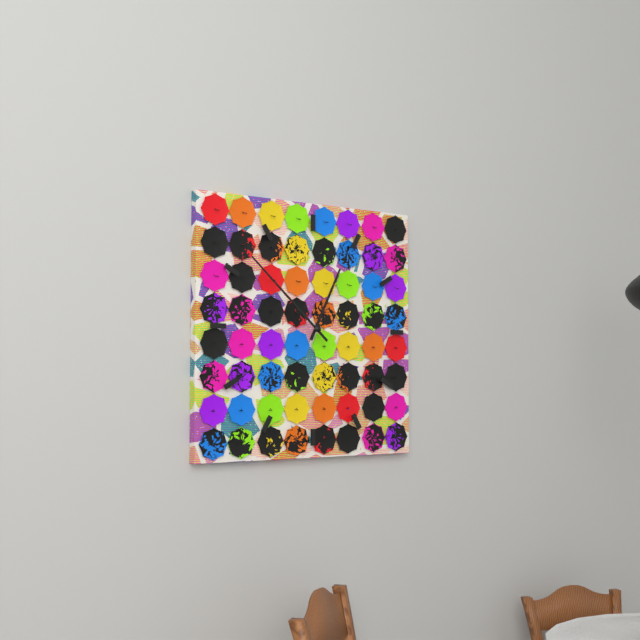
12:52
